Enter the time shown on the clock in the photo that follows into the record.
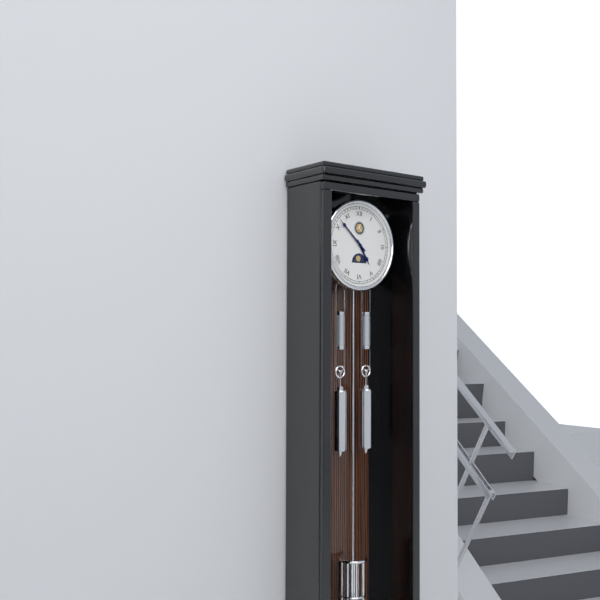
4:52
